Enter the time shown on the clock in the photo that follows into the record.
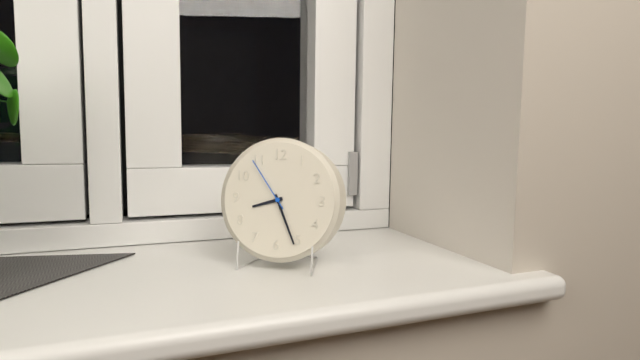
8:26:54
